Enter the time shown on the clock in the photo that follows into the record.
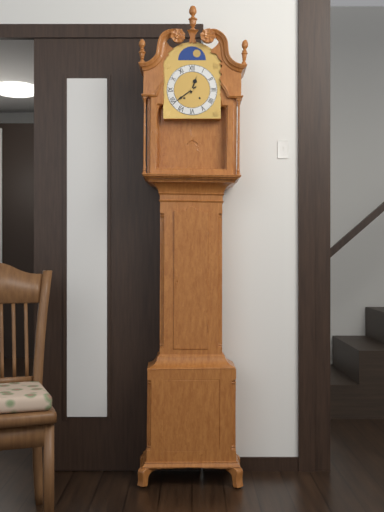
12:39
